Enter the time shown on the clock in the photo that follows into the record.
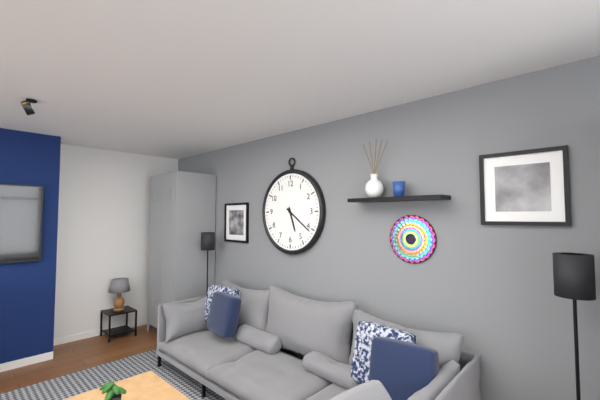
5:21
